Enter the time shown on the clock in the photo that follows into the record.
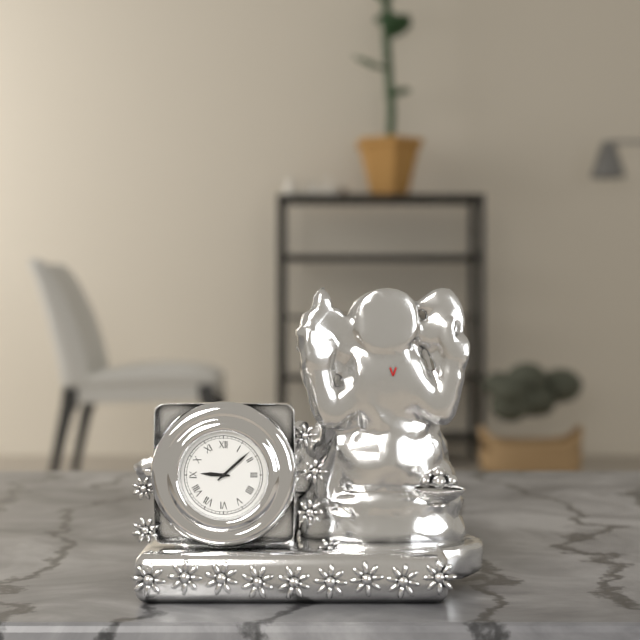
9:08
